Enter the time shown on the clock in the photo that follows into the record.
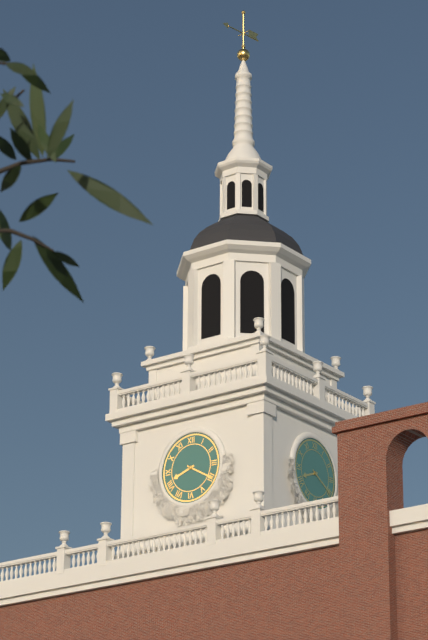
8:20
